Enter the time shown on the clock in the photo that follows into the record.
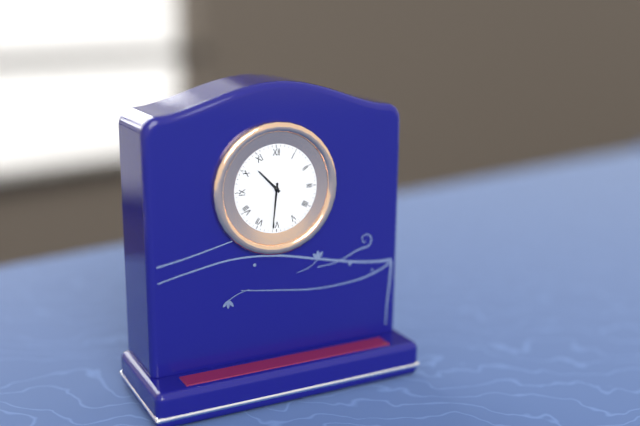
10:31
